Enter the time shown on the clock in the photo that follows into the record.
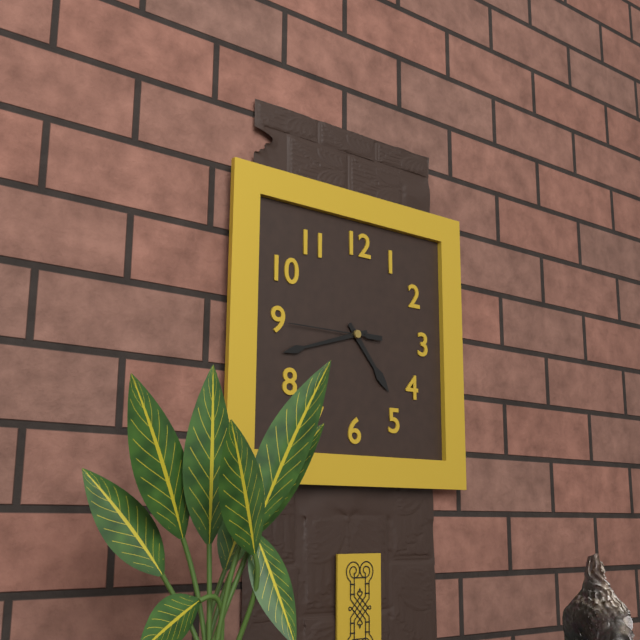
4:42:45
